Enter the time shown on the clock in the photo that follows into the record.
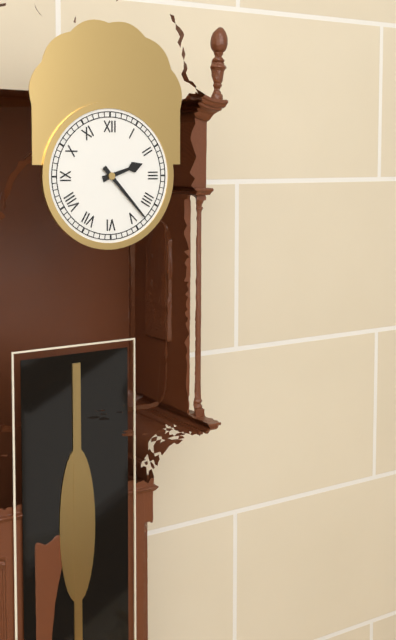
2:23
